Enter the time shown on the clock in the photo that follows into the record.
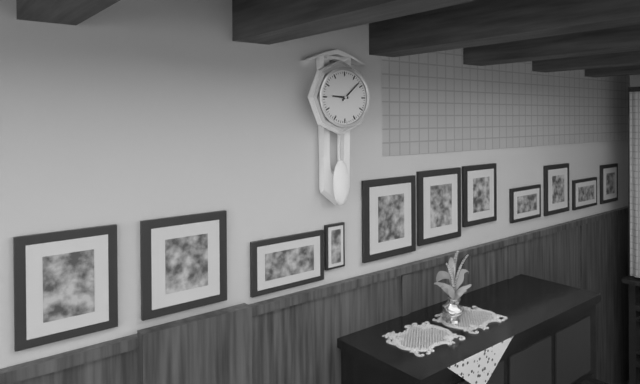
9:08
